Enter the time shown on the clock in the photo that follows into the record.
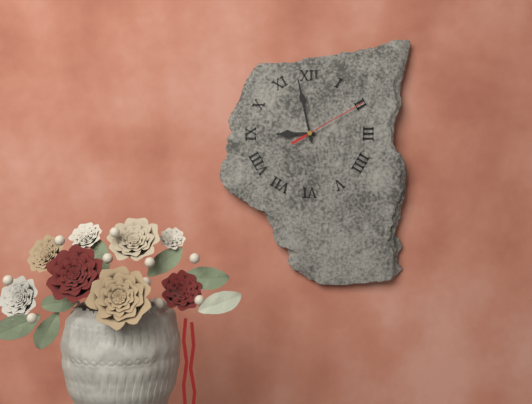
8:58:10
